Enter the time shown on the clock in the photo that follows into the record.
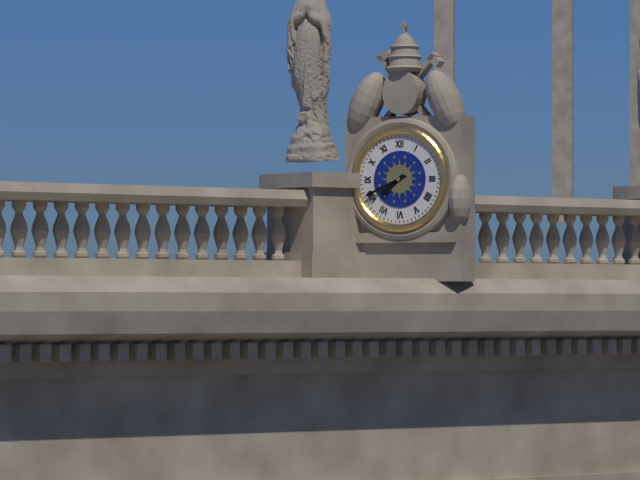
7:41
